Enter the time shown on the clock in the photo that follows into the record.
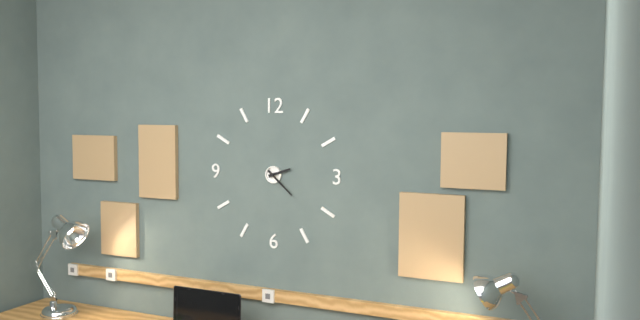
2:22
